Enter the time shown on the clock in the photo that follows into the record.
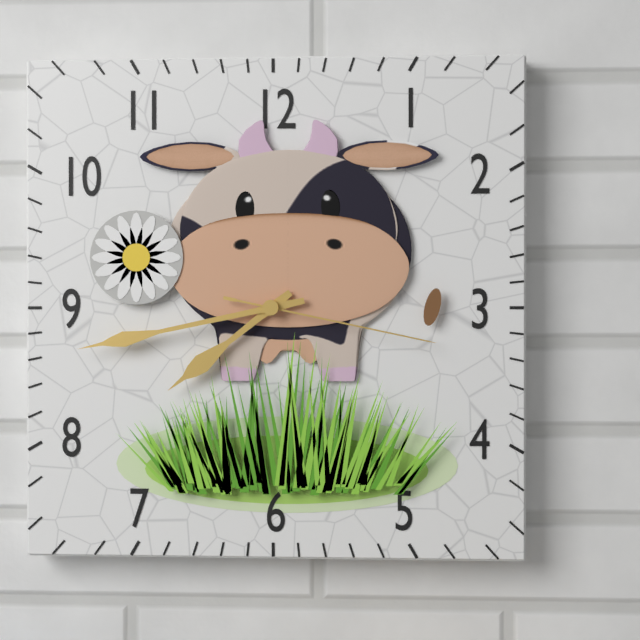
7:43:17
